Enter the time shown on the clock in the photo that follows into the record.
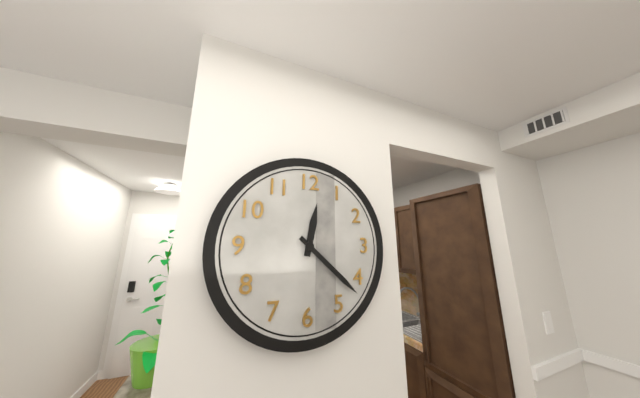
12:22
